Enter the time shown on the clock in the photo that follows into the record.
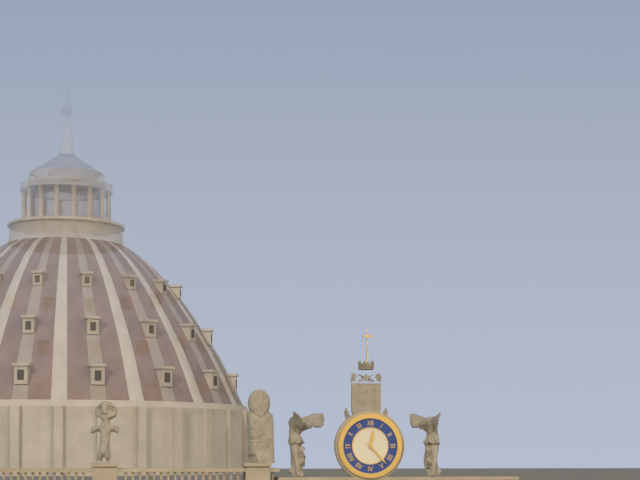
12:23
